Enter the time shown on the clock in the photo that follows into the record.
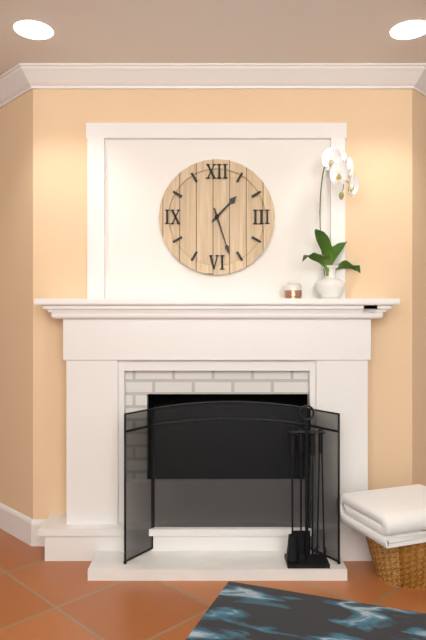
1:27
